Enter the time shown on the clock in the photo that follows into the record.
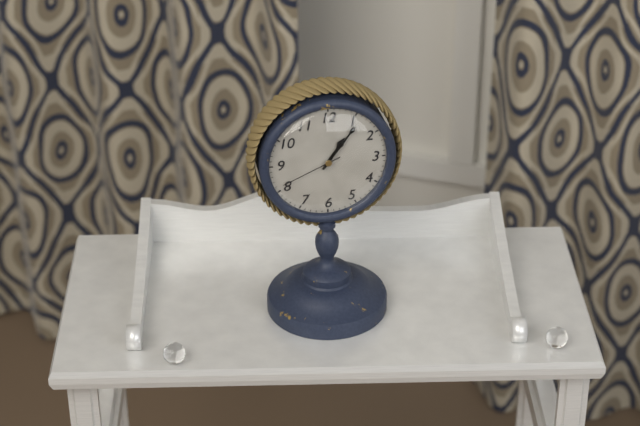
1:06:41
